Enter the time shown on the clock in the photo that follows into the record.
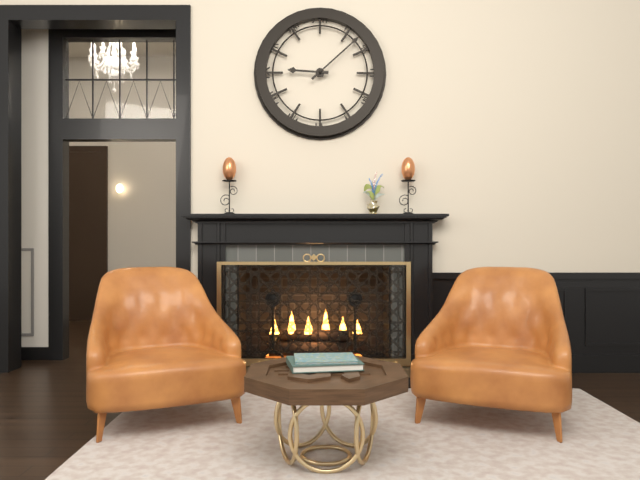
9:08
